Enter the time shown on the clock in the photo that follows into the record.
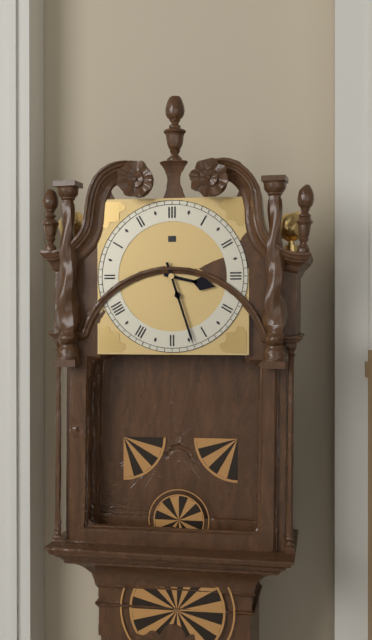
3:27
